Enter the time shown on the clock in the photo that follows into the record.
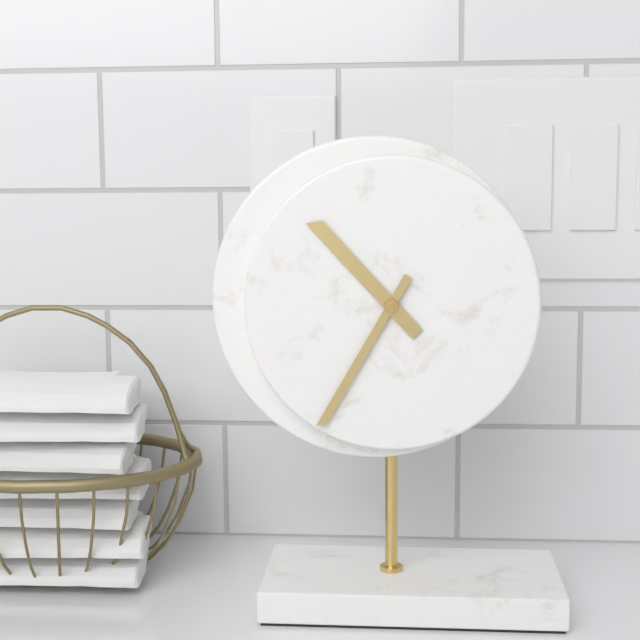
10:35
